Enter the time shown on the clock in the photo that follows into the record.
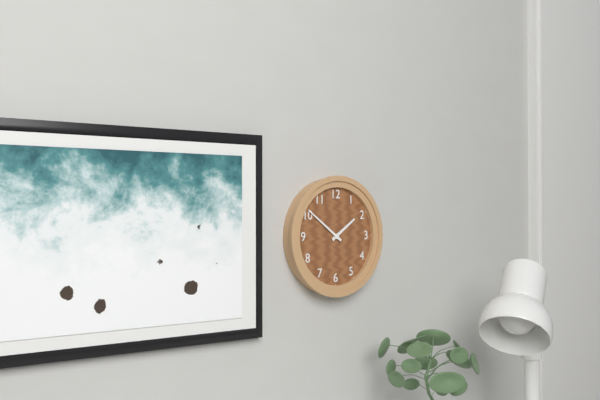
1:51
